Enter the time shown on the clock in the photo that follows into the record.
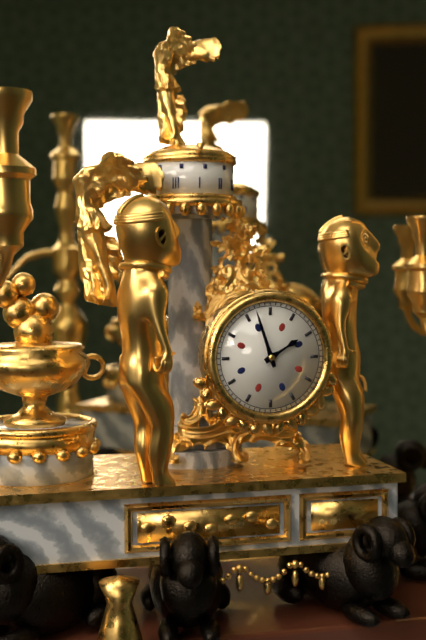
1:57
